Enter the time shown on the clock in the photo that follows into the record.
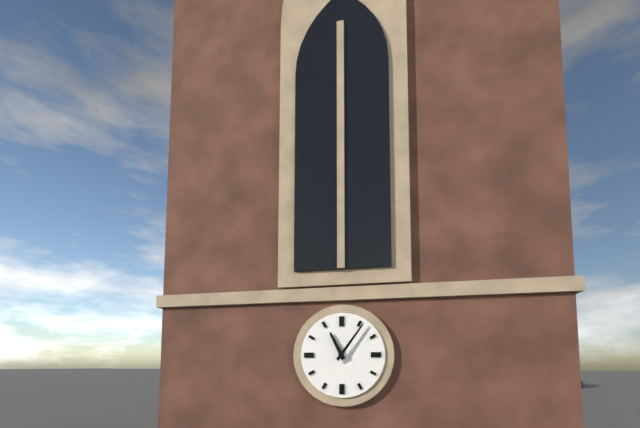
11:06
